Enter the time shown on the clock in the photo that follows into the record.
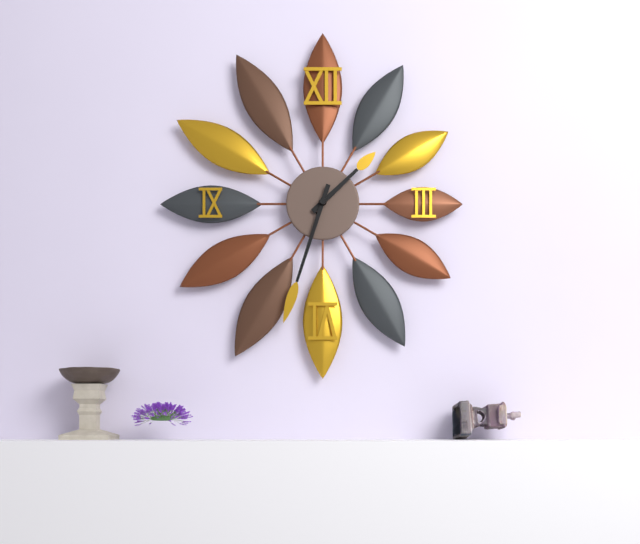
1:33
